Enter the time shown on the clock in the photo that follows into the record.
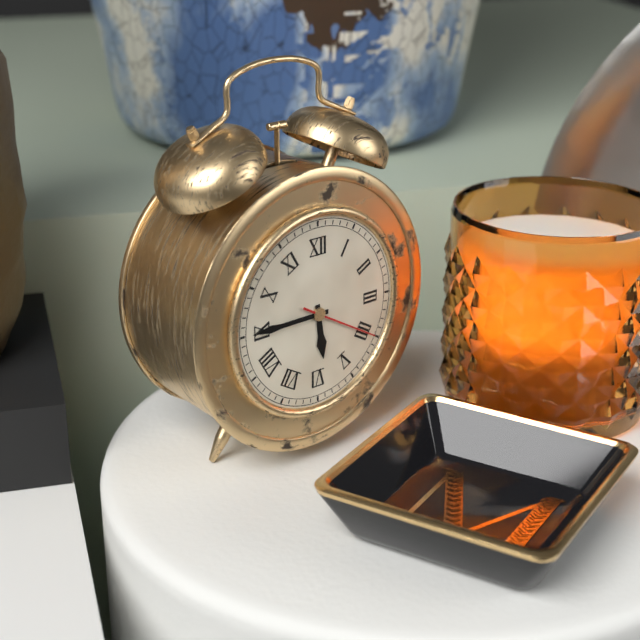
5:45:20
